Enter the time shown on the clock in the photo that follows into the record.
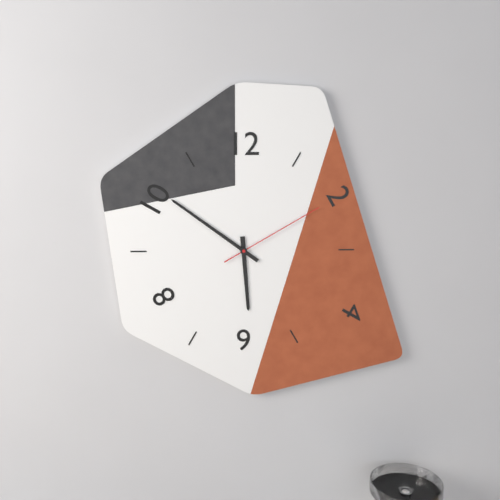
5:51:10
